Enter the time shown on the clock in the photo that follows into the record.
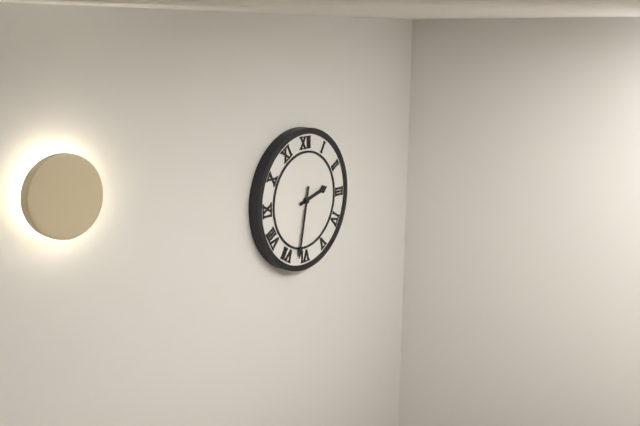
2:32
